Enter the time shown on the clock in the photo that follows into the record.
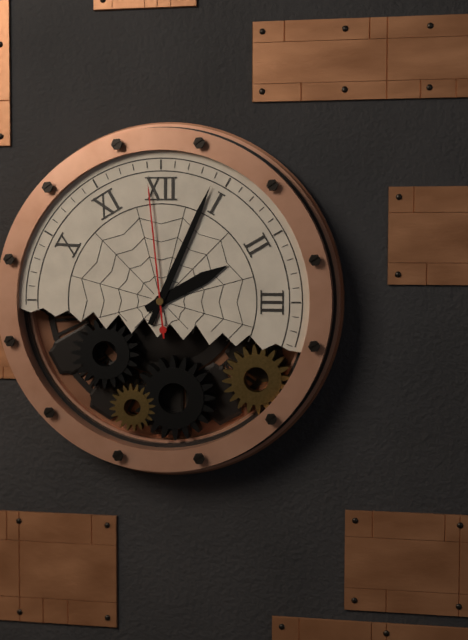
2:04:59
